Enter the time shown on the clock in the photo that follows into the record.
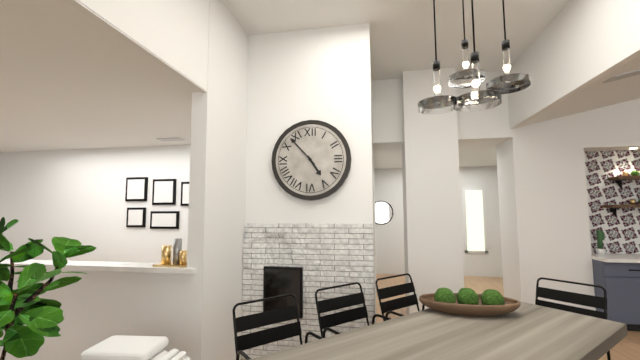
4:53
